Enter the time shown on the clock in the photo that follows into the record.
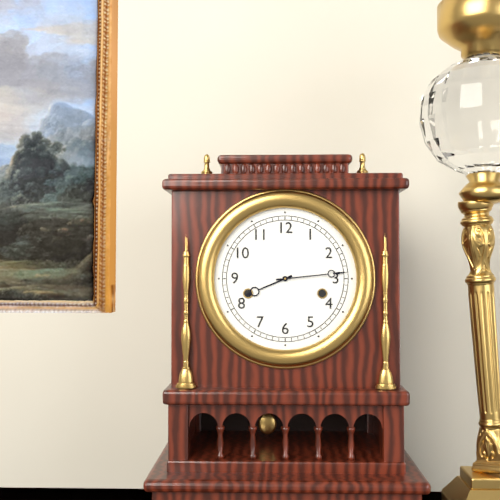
8:14
